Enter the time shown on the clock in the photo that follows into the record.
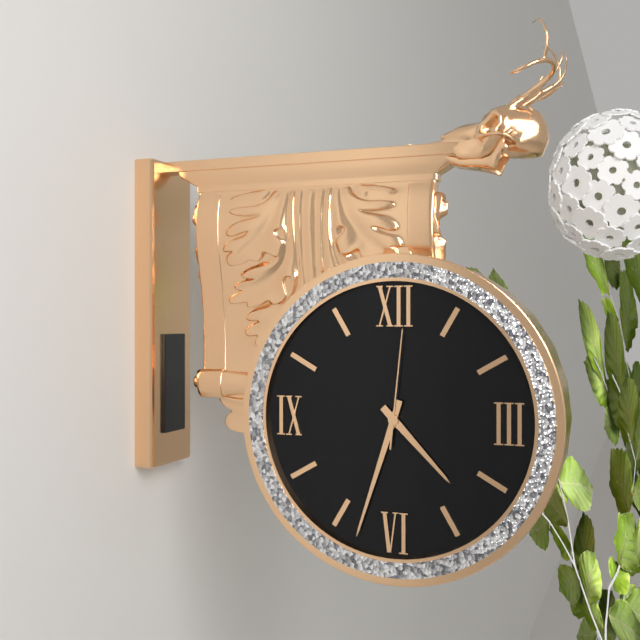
4:33:01
